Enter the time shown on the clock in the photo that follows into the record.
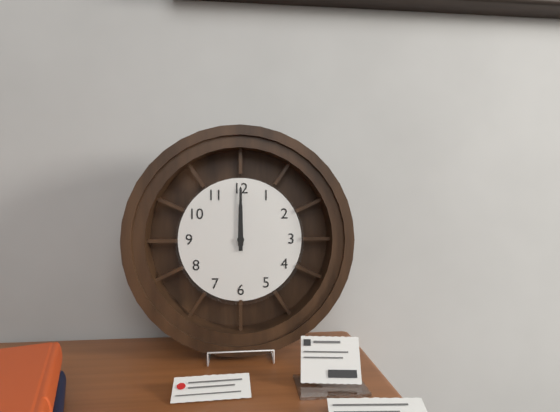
12:00
